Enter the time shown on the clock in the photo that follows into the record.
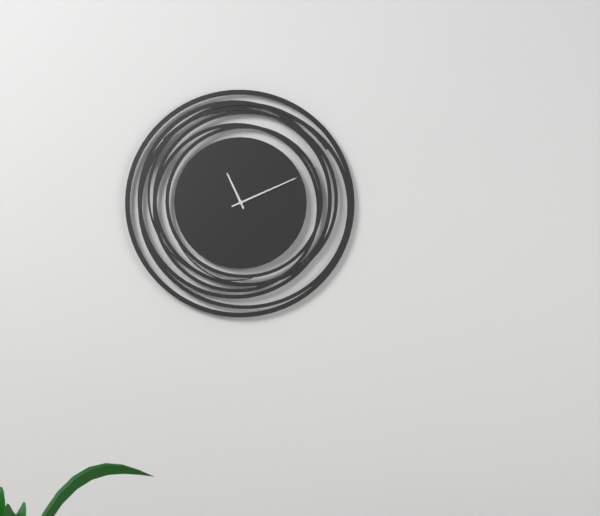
11:11
